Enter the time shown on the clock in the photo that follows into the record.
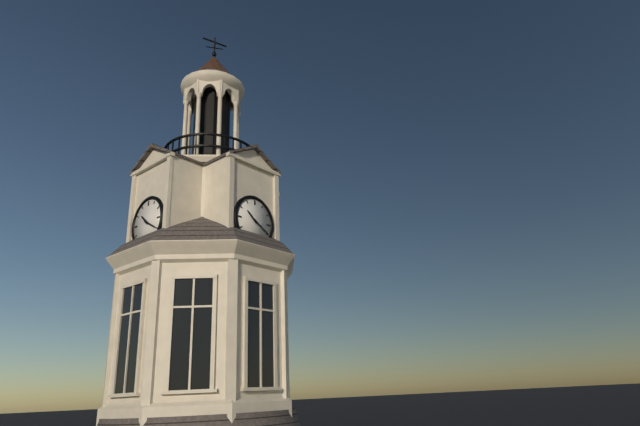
10:20
